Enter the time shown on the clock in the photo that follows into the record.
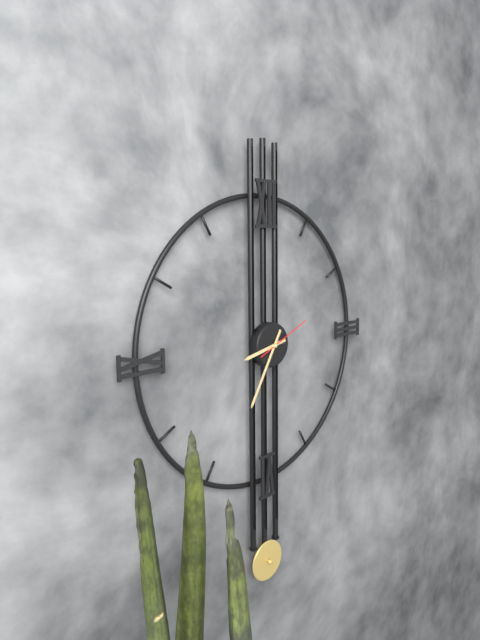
8:35:11
